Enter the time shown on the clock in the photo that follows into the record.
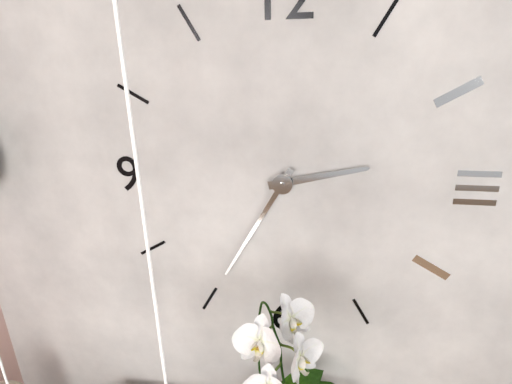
2:35
